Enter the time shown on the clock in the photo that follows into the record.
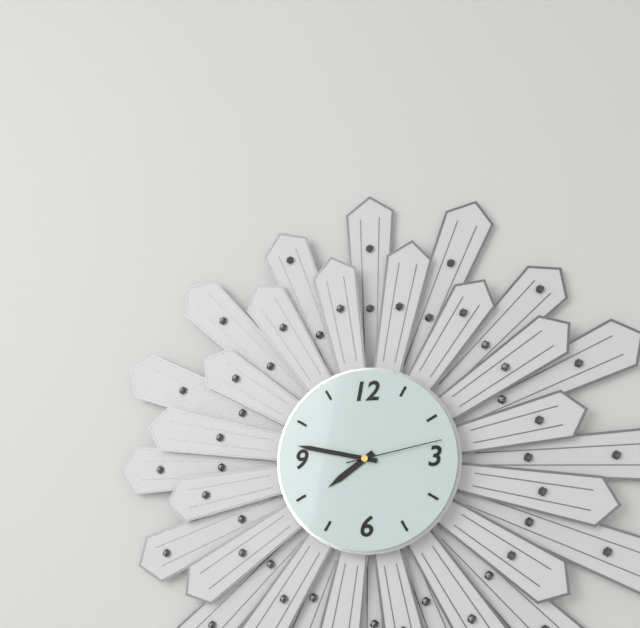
7:47:13
